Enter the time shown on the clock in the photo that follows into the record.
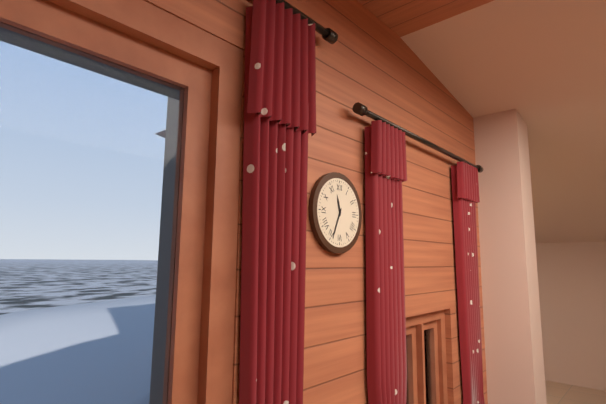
11:34
